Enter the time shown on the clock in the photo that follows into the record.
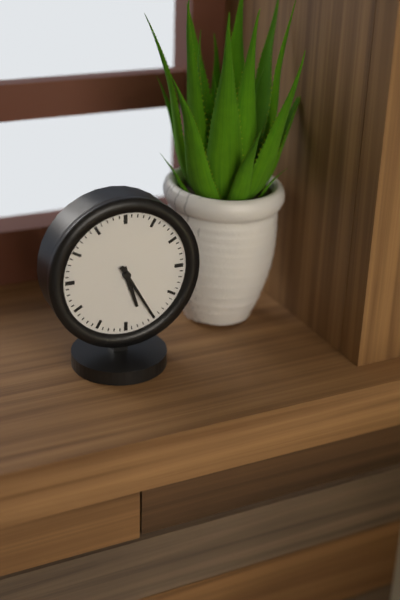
5:25
